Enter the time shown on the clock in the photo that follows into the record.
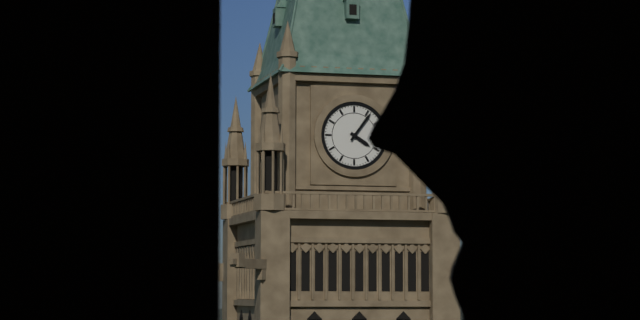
4:06
